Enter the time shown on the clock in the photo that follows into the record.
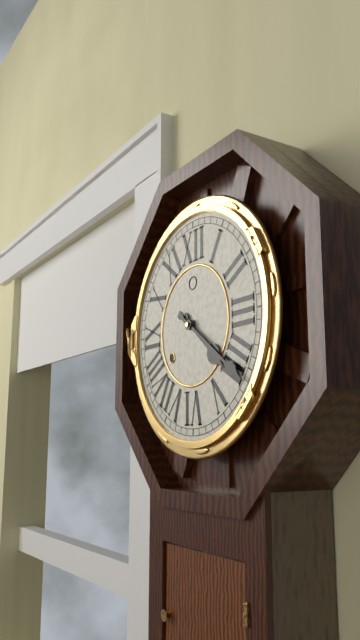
4:21
